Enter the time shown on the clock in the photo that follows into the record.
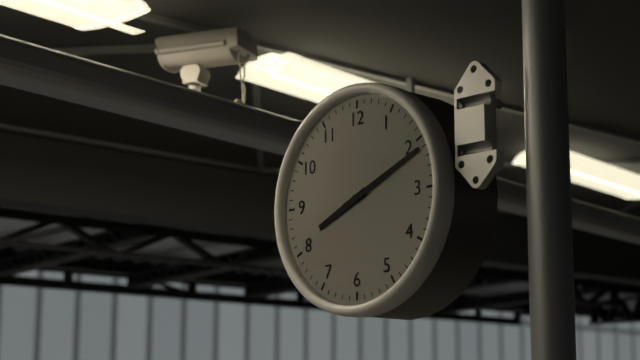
8:11
